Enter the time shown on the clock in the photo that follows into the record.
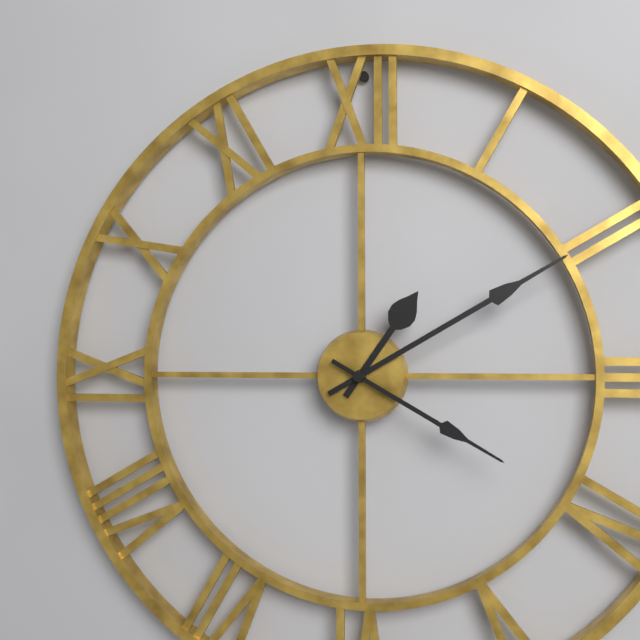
1:10:20
